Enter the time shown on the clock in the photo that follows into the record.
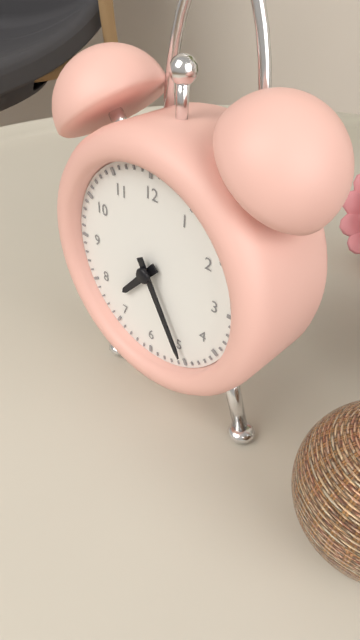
7:25
